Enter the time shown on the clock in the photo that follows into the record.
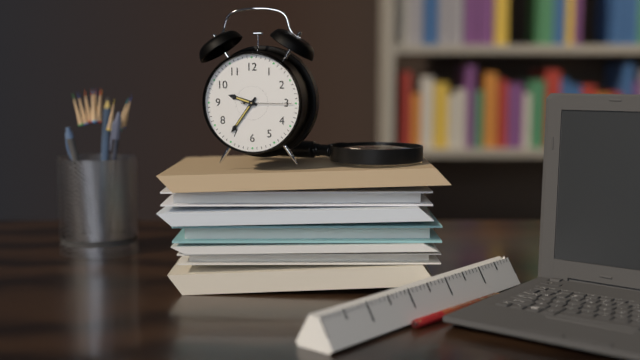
9:36:15
